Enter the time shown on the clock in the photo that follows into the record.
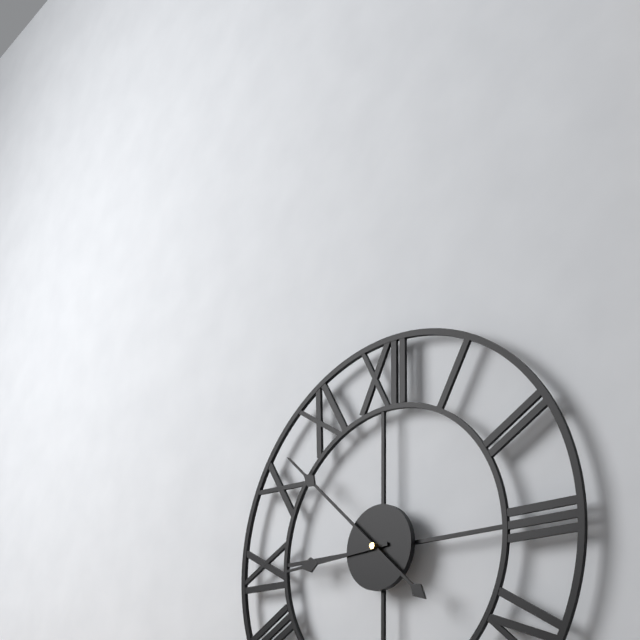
8:52
